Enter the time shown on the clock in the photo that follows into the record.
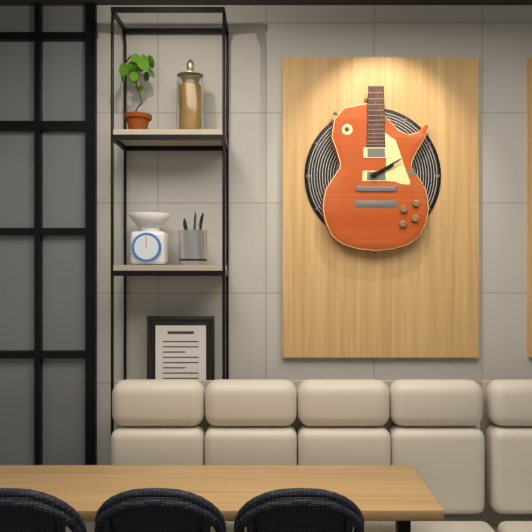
2:10
